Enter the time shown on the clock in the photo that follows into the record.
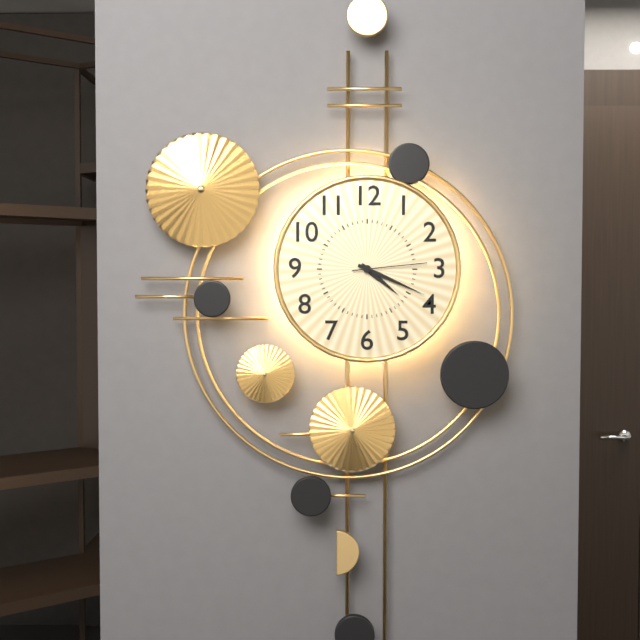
4:19:14
